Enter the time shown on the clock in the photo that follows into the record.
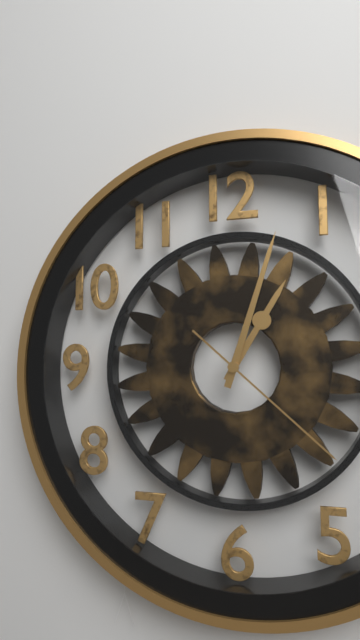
1:03:22
